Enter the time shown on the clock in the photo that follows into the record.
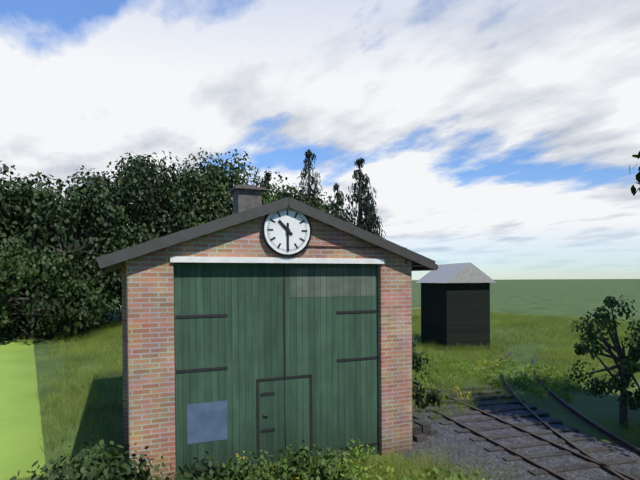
10:30
